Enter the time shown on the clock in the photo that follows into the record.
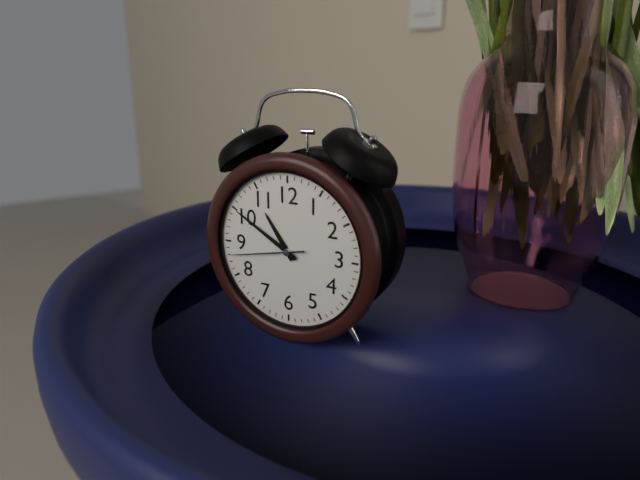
10:50:43
